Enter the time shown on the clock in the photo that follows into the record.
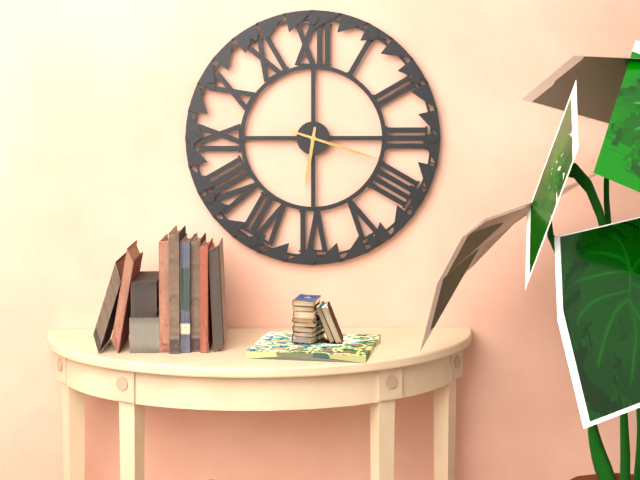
6:18
